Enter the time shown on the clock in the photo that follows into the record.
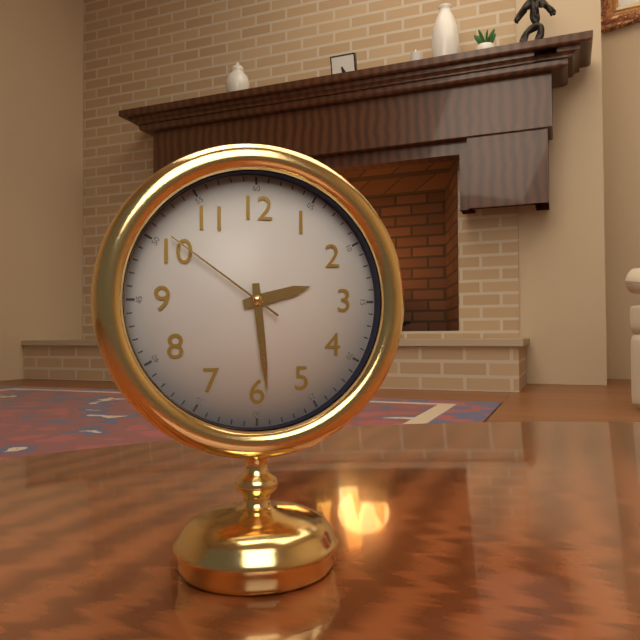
2:29:51
